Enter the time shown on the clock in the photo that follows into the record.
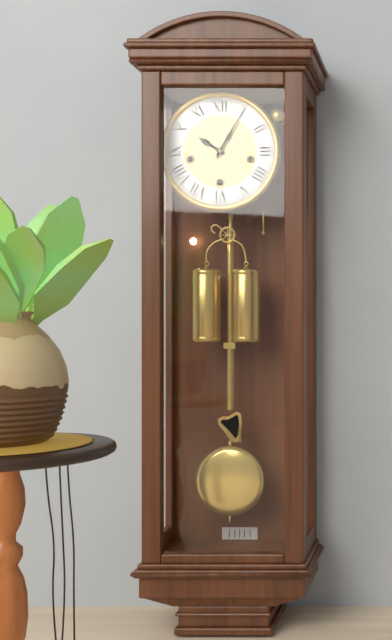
10:05
